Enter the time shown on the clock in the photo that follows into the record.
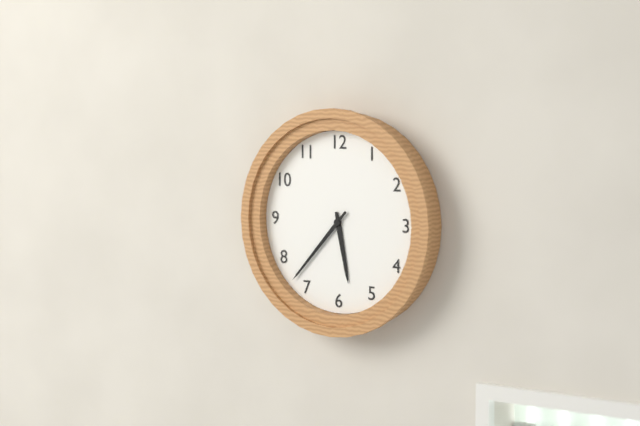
5:37
